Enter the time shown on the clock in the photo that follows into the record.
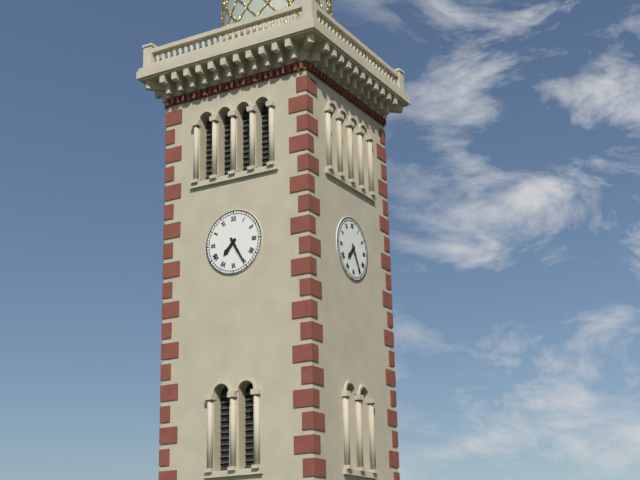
7:25
